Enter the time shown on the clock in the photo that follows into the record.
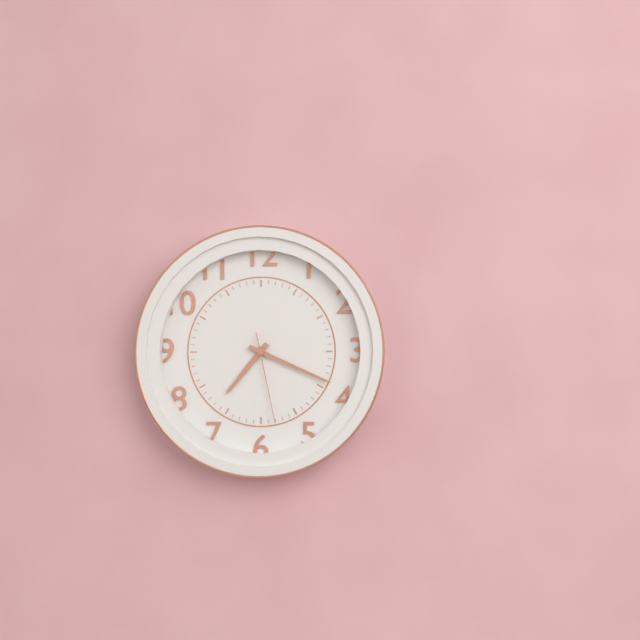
7:19:28
